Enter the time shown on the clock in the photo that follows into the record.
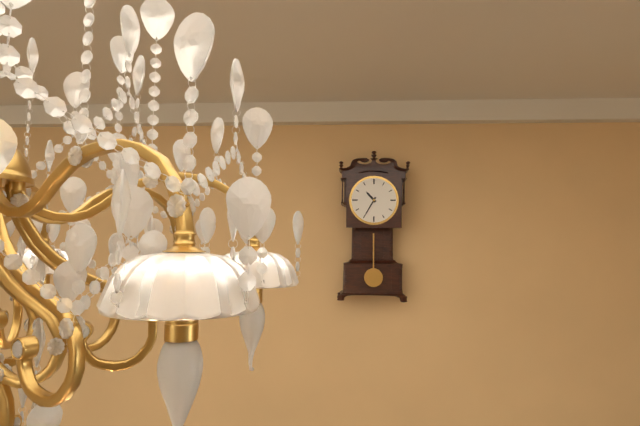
10:35
